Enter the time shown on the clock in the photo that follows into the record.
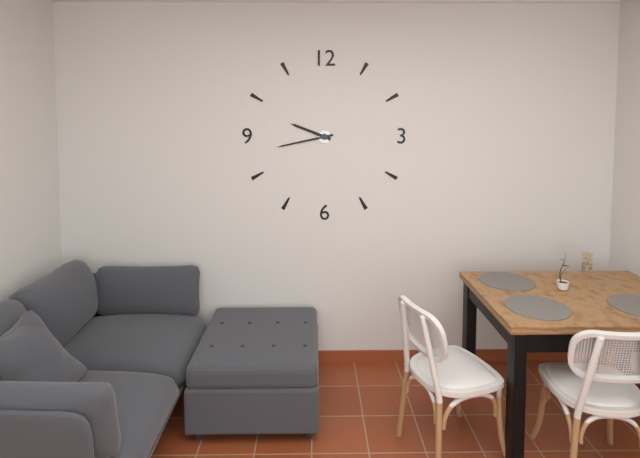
9:43
